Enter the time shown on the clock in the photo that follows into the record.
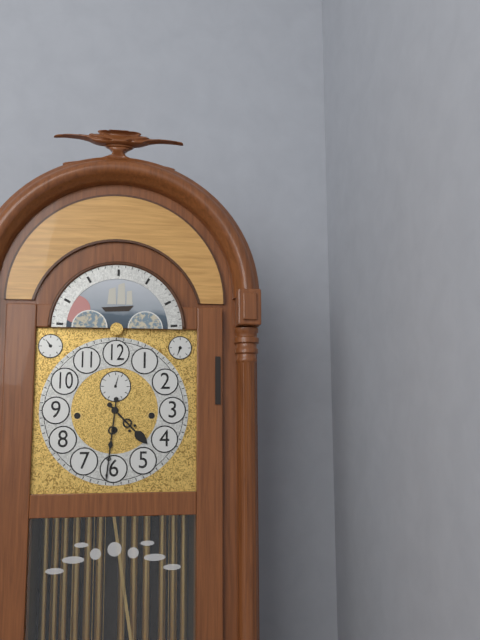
4:31
